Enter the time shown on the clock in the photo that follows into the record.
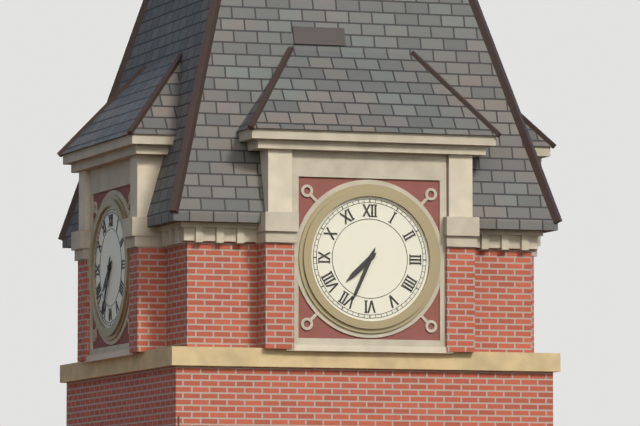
7:34
